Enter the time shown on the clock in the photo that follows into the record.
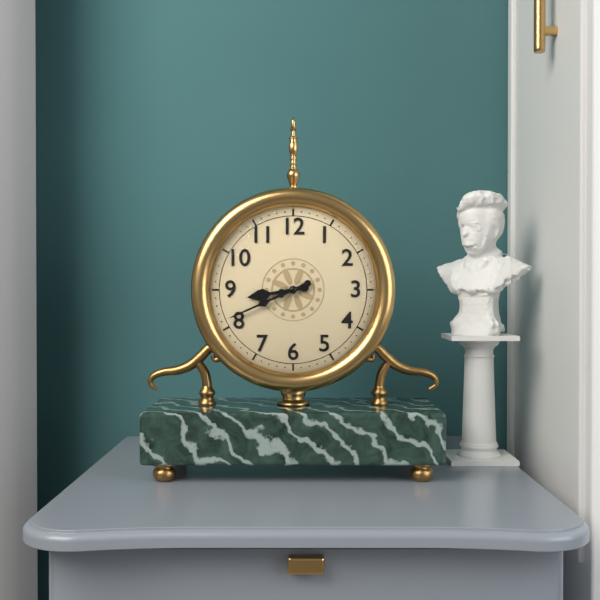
8:41
